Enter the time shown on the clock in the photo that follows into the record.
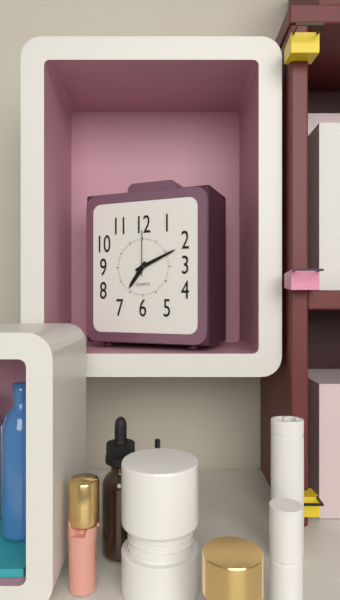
7:11
